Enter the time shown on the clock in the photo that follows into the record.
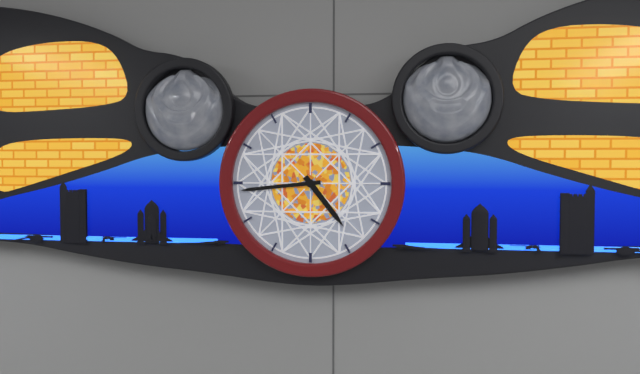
4:44
